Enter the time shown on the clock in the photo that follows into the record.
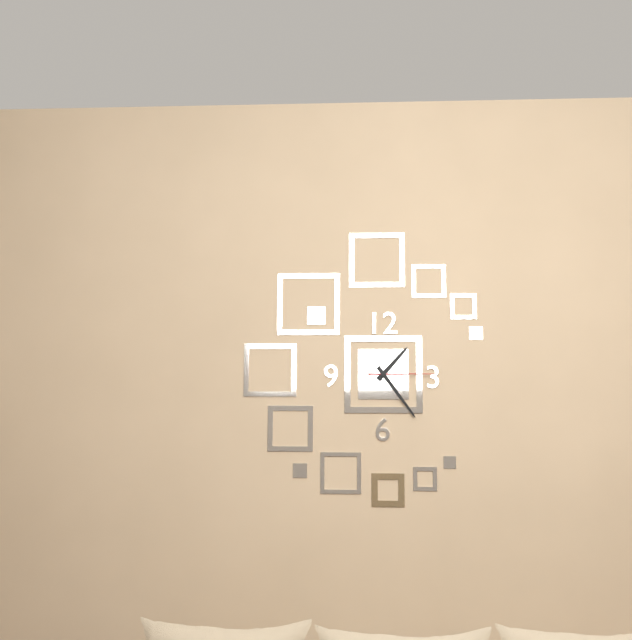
1:24:15
